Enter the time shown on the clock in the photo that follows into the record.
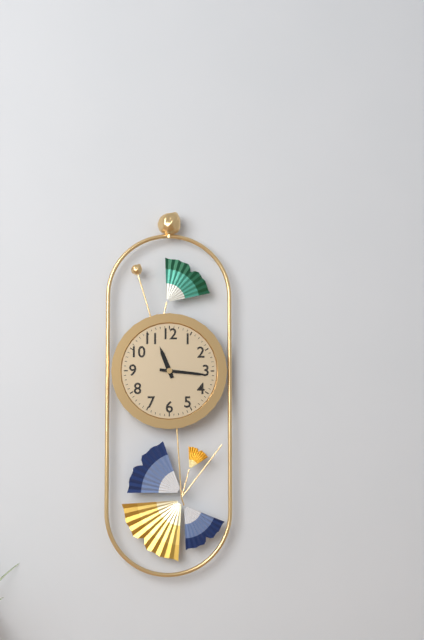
11:16
